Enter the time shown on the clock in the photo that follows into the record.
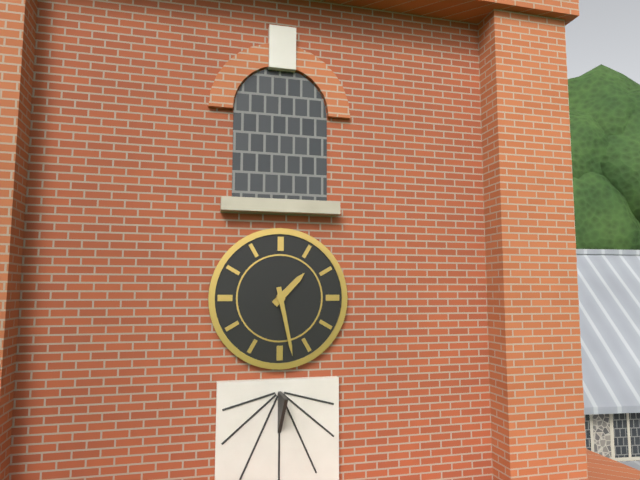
1:28
